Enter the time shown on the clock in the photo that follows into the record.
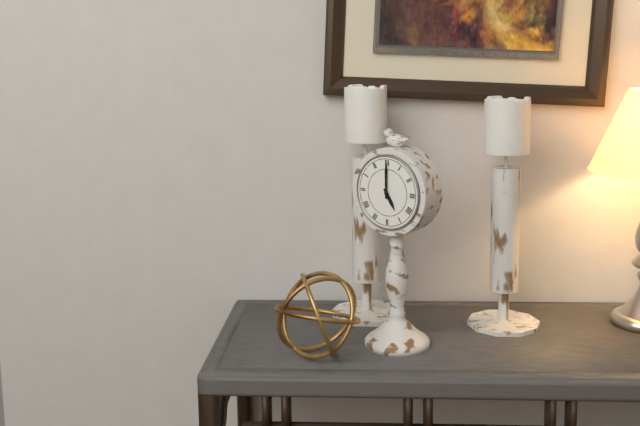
5:00
